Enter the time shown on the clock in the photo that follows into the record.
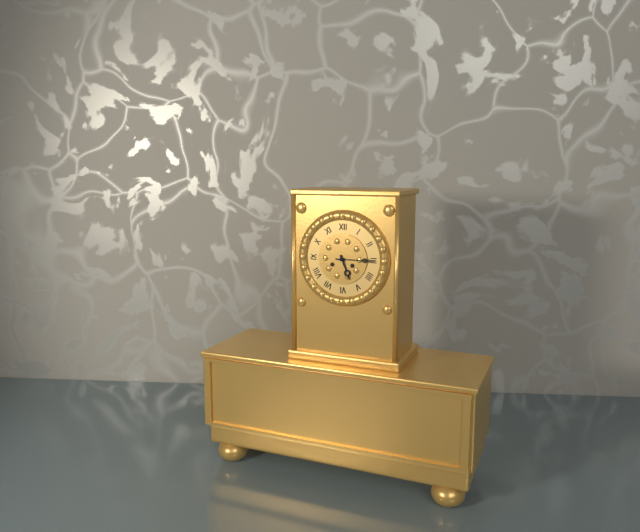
5:15
